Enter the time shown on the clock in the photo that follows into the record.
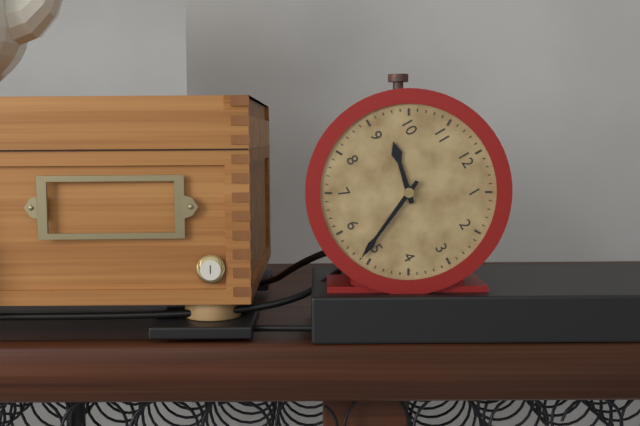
9:26
